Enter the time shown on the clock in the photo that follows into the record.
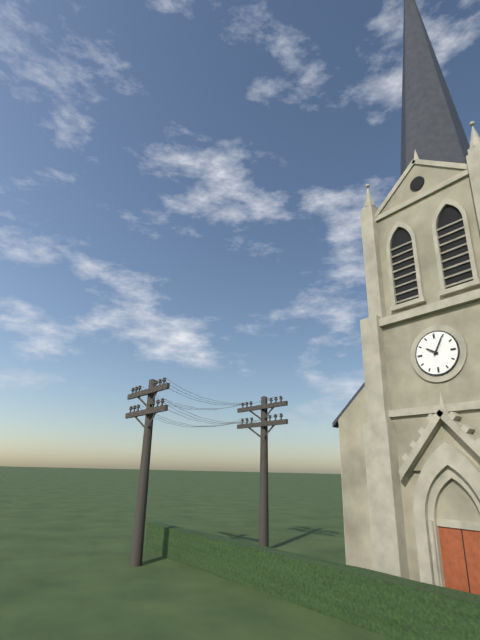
10:05
